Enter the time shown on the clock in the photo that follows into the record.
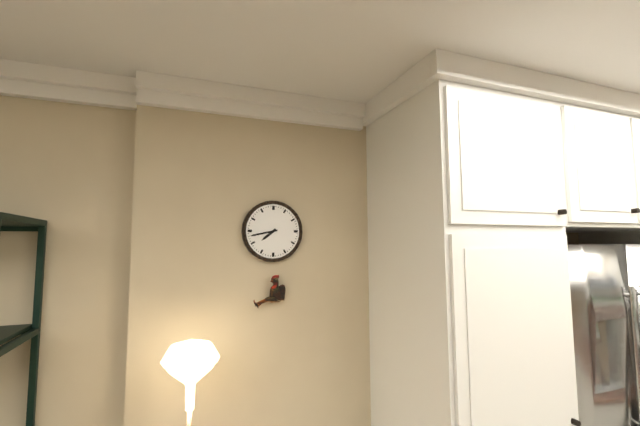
7:43
